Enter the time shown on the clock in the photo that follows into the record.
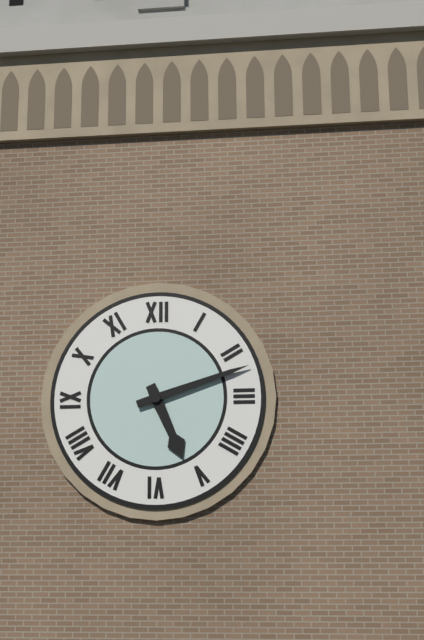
5:12
